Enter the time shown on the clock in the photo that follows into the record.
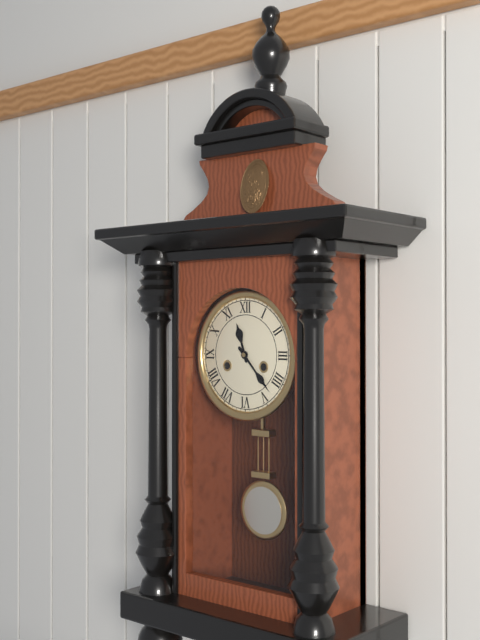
11:23
